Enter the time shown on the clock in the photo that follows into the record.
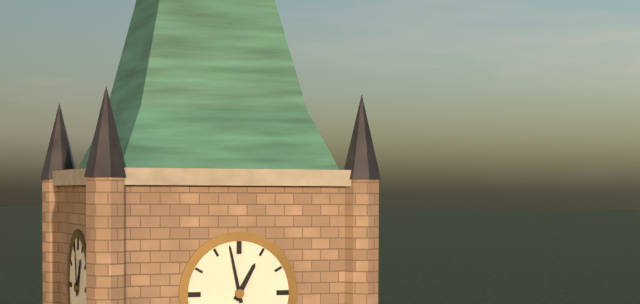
12:58
